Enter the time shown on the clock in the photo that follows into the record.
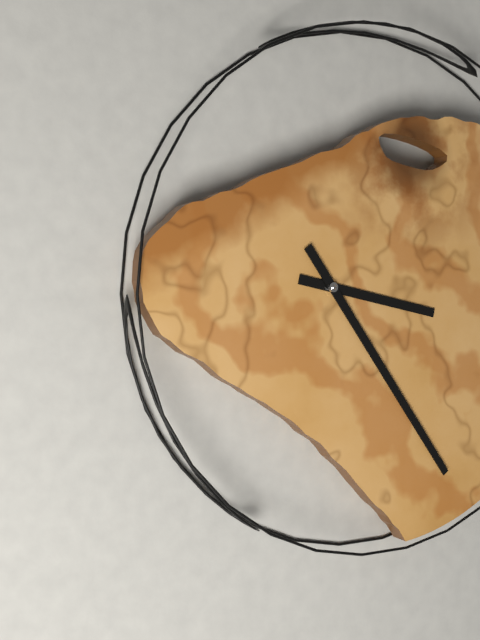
3:24
